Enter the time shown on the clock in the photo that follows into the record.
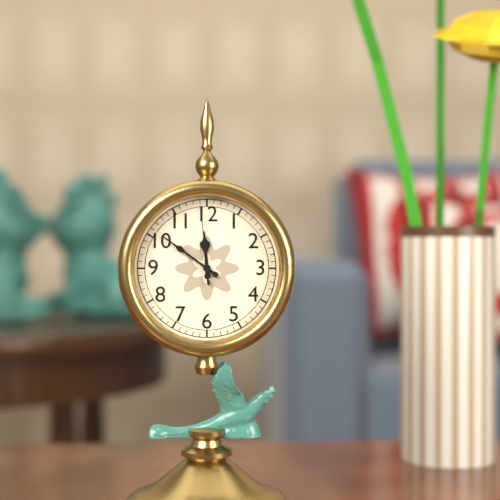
11:51:59
